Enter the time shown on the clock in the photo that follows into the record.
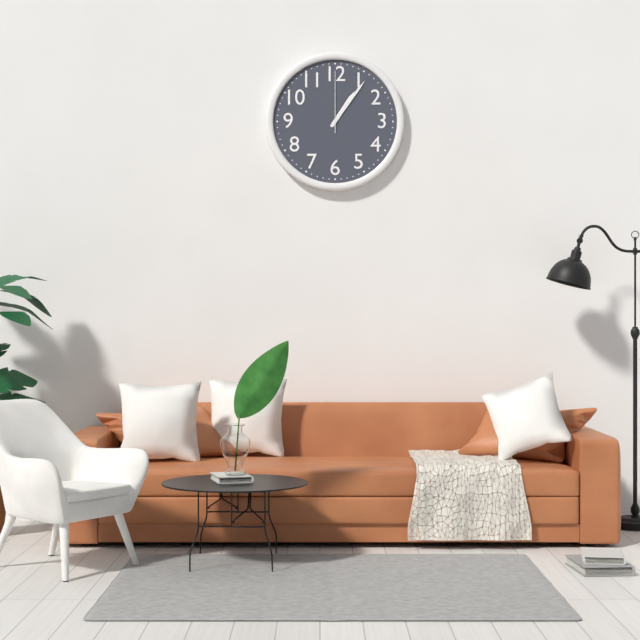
1:06:00
